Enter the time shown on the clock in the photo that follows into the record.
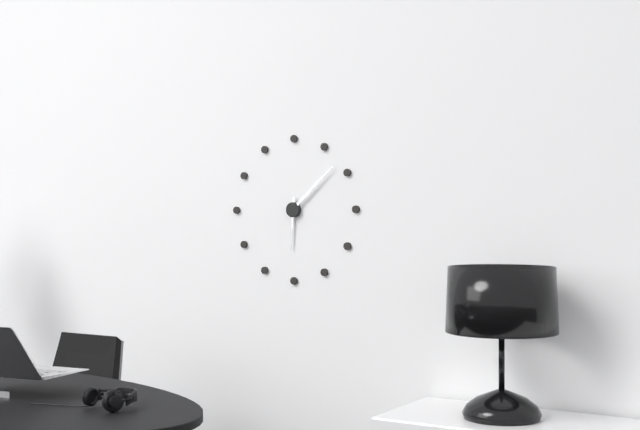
6:08
